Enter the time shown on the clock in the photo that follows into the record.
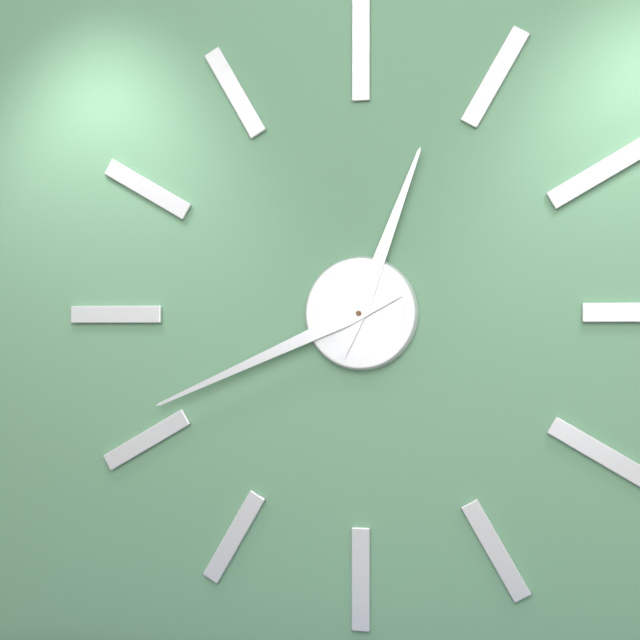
12:41
